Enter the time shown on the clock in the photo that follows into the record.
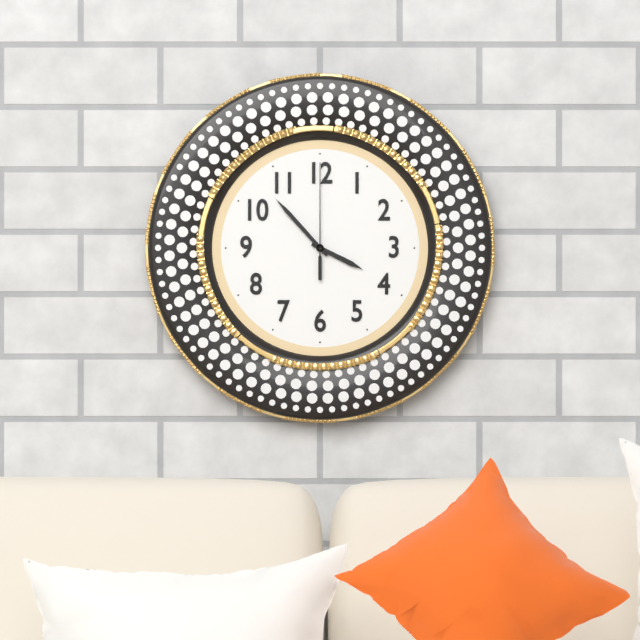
3:53:00
